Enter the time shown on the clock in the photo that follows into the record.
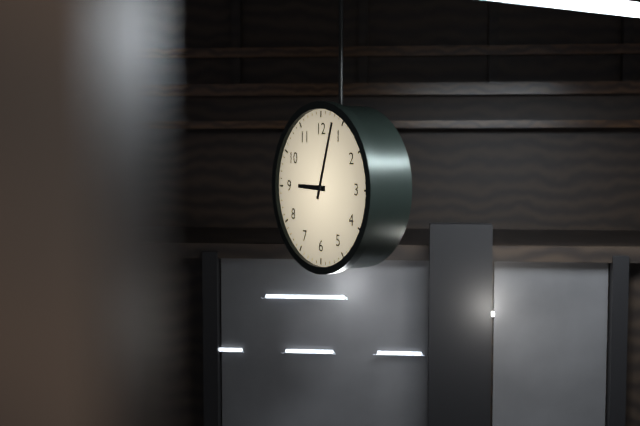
9:03
